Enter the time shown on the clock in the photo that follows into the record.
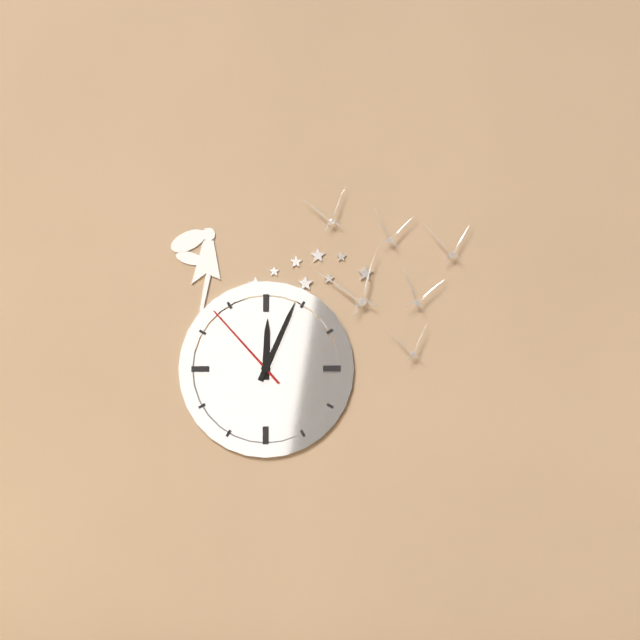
12:04:53
